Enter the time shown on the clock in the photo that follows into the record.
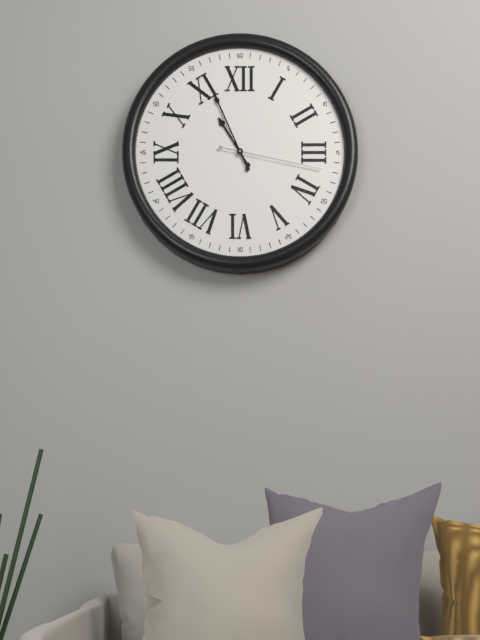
10:56:17
